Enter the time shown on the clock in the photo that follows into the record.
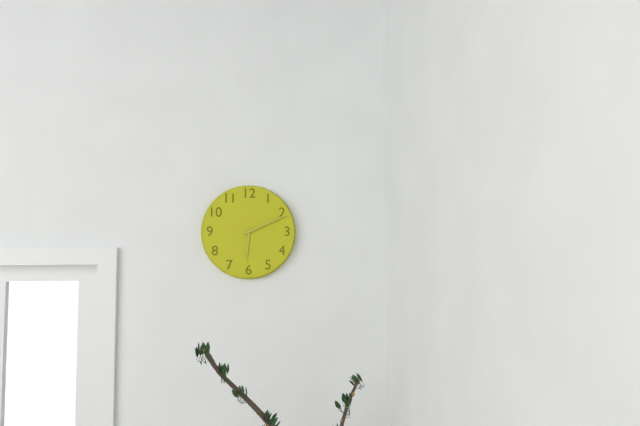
6:11
